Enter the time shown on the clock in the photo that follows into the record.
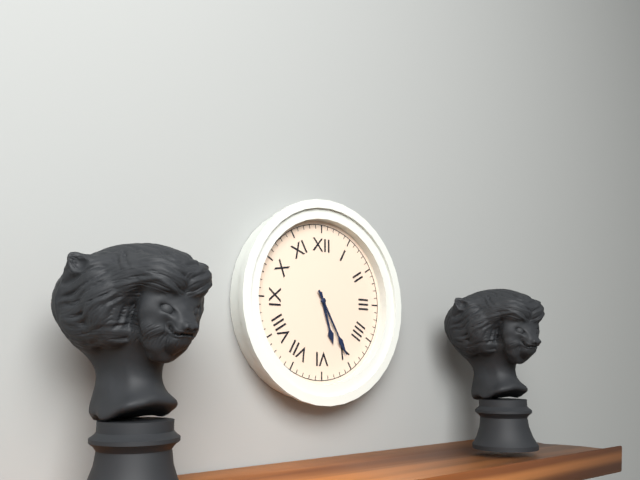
5:25
